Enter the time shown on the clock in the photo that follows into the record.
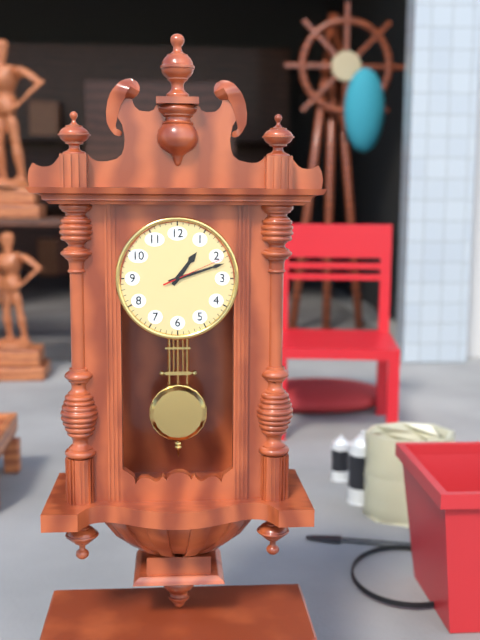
1:12:11
